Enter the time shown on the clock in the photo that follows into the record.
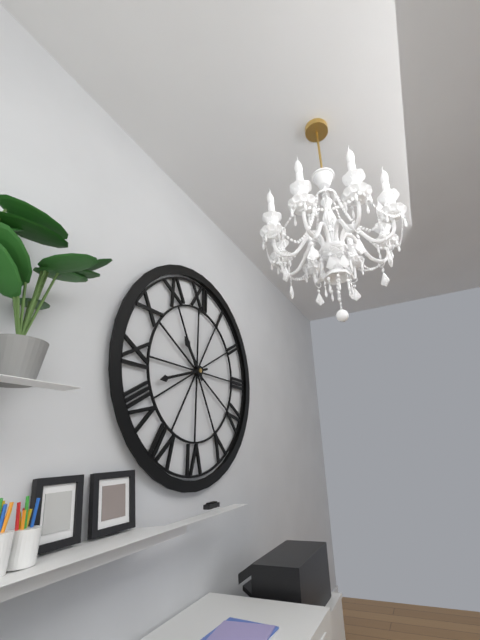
10:42
